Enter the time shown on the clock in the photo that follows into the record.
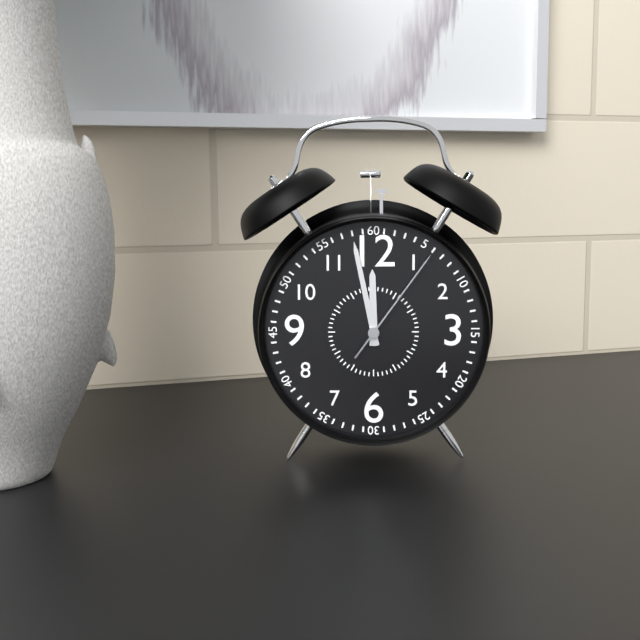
11:58:06
